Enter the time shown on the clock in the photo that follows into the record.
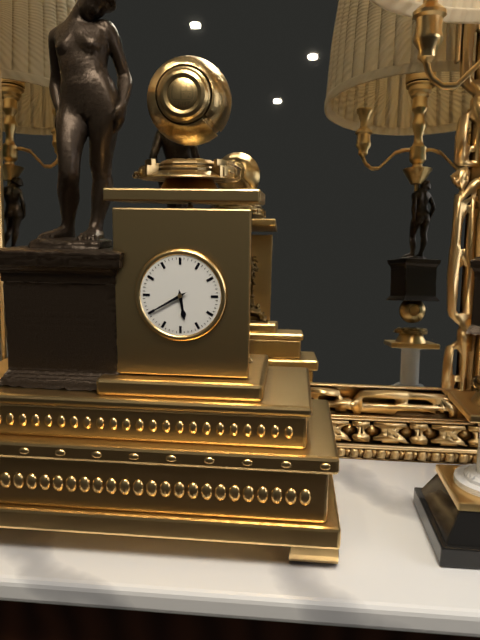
5:40
